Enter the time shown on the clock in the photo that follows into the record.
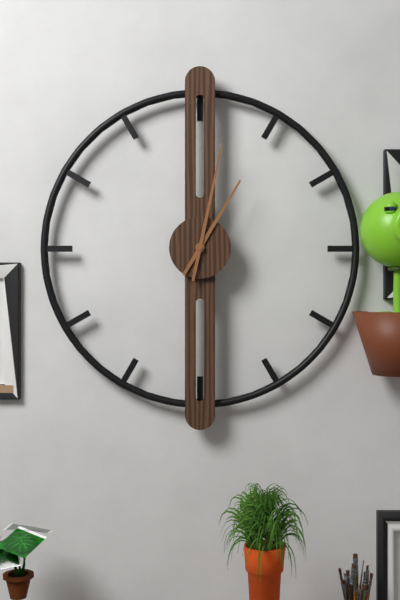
1:02
